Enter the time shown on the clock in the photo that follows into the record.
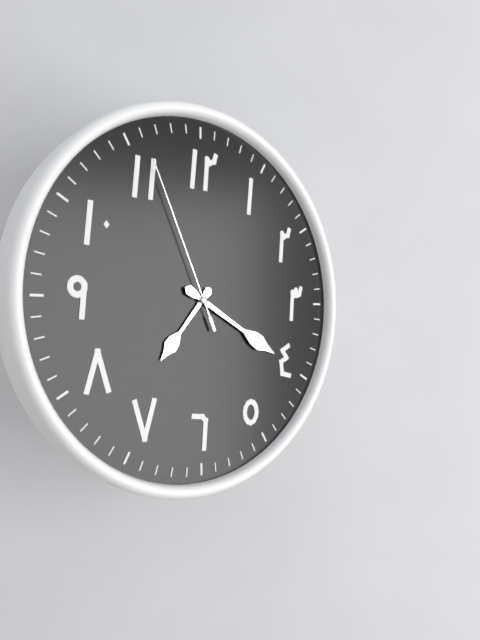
7:20:56
